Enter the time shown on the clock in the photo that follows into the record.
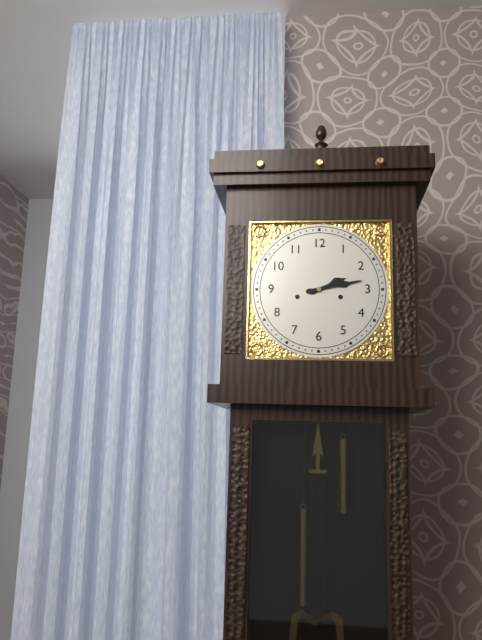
2:13
